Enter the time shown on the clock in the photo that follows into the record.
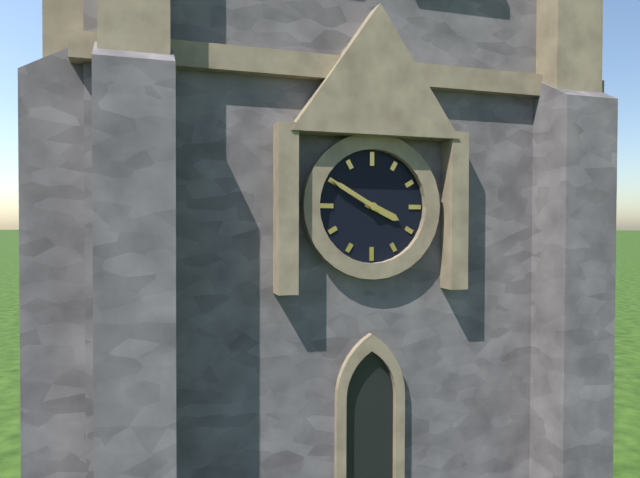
3:50
